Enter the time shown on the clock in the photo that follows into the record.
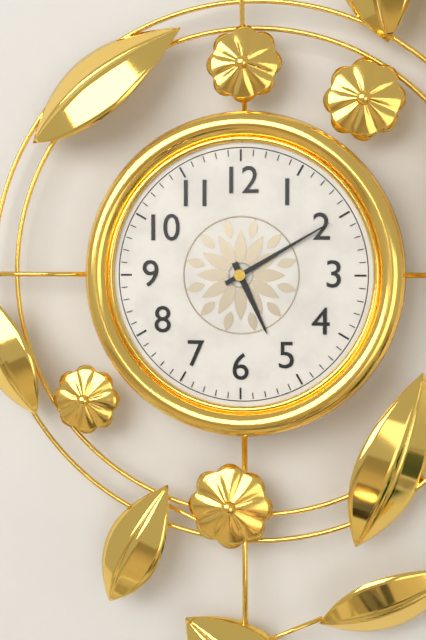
5:10
